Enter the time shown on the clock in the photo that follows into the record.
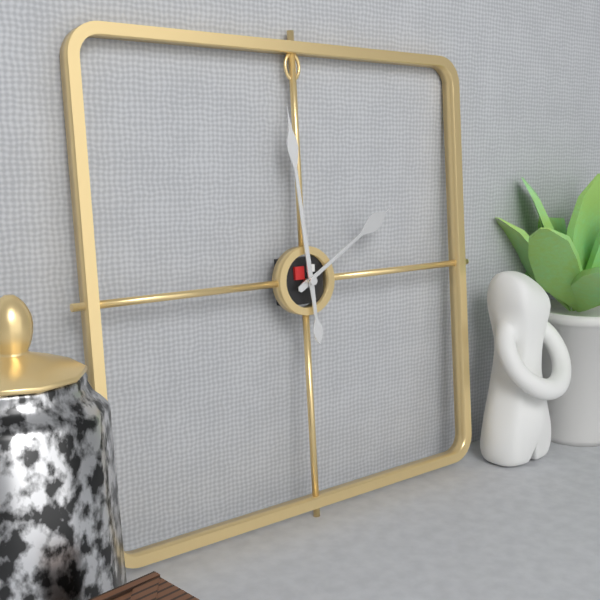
1:59
